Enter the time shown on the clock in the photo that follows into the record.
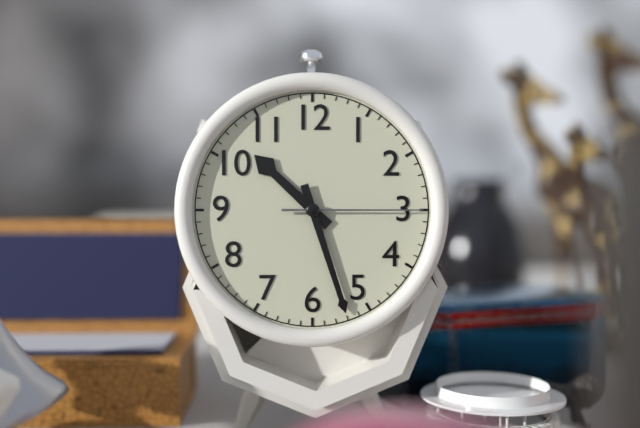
10:27:15
